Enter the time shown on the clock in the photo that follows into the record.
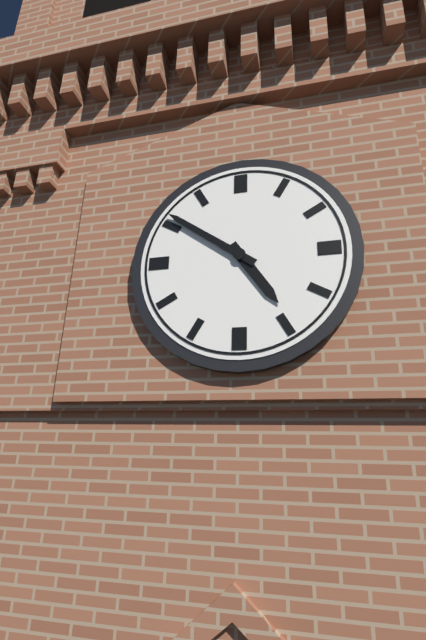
4:51
